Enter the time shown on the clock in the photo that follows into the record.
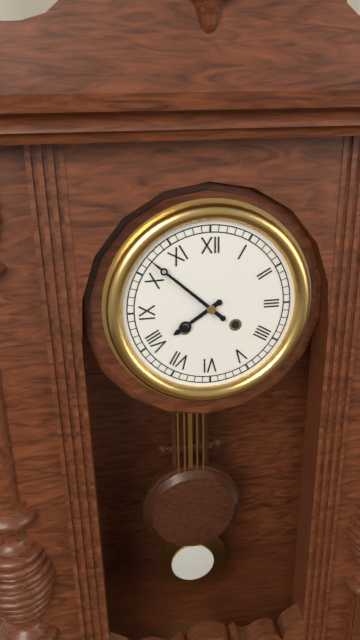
7:52
